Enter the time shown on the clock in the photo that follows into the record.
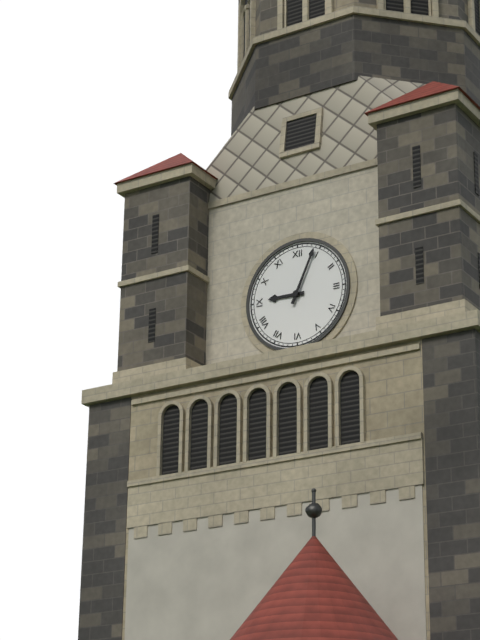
9:04
